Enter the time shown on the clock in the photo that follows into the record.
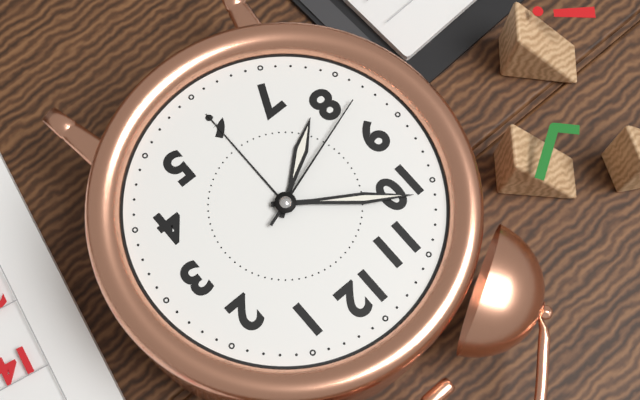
7:51:42
